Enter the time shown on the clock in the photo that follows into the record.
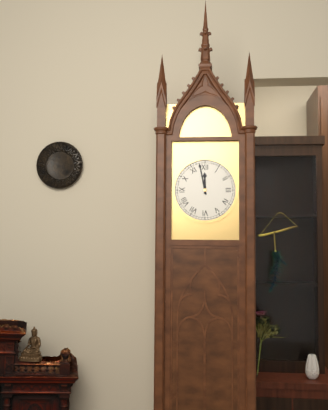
11:58
